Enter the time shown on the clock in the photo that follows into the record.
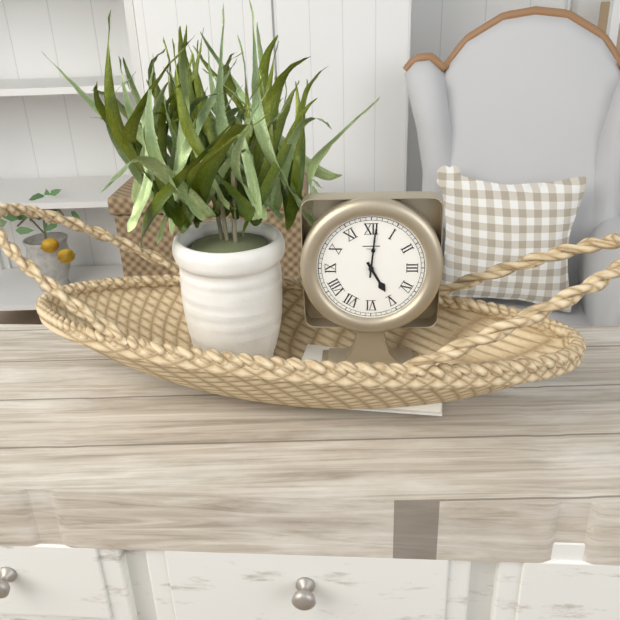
5:01
